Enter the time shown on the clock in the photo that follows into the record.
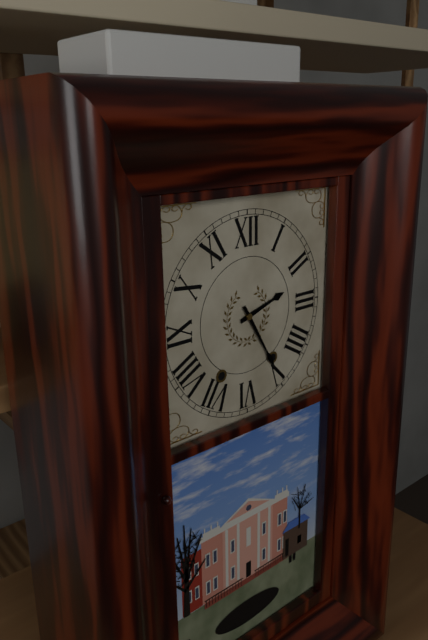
2:25
